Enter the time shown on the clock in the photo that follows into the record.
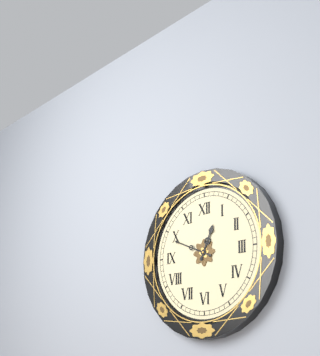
12:49
